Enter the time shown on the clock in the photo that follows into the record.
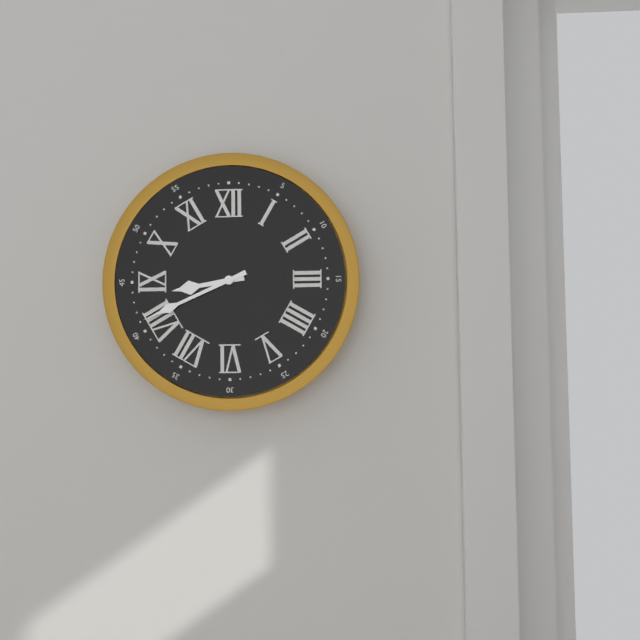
8:41
